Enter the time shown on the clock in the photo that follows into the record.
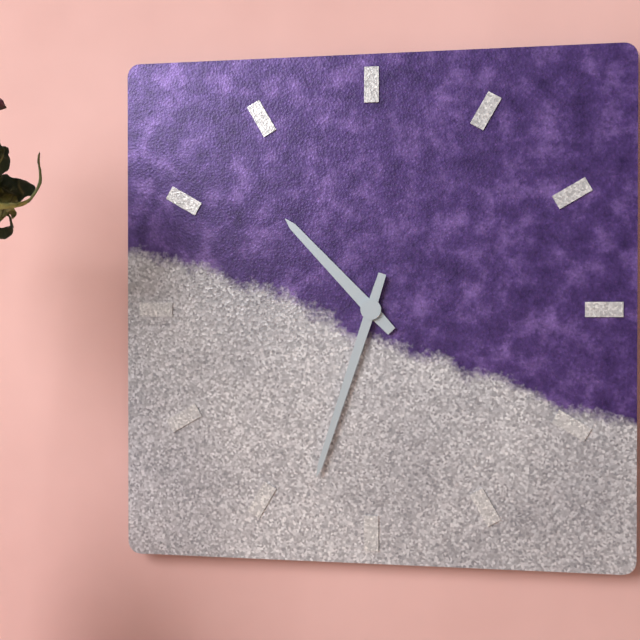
10:33
